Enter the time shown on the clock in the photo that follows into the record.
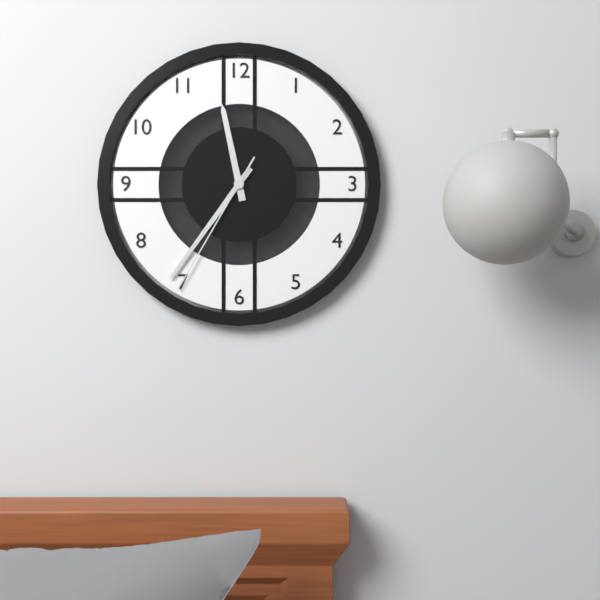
11:36:35
